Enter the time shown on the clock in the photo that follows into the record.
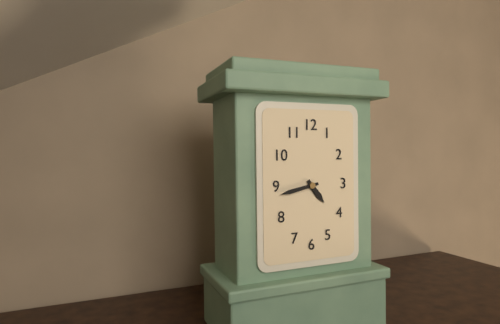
4:43
